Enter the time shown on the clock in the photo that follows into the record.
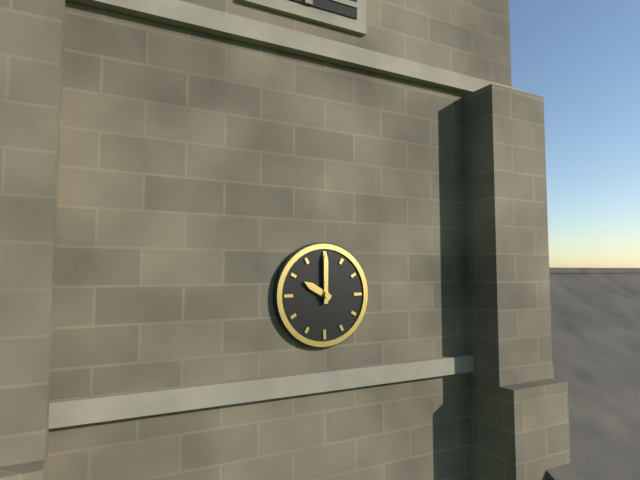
10:00
